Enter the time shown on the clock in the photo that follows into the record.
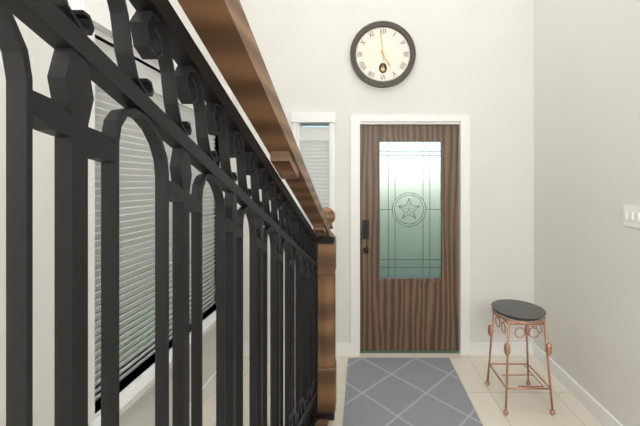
4:59
